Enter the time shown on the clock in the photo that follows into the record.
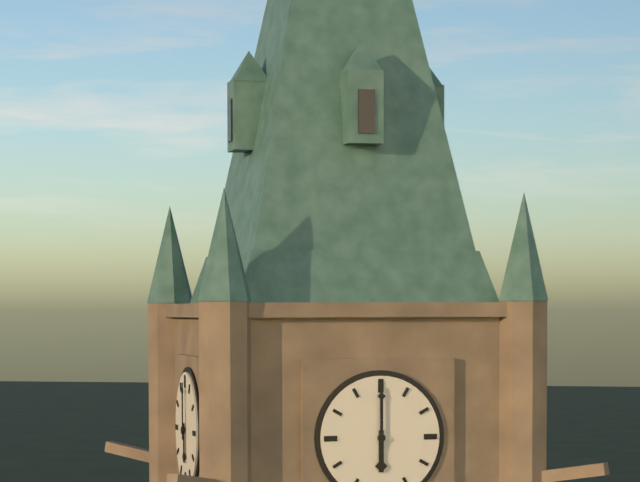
6:00
